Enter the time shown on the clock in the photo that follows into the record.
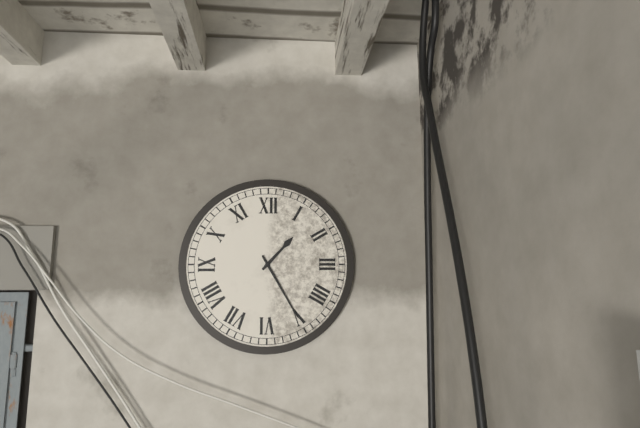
1:25
